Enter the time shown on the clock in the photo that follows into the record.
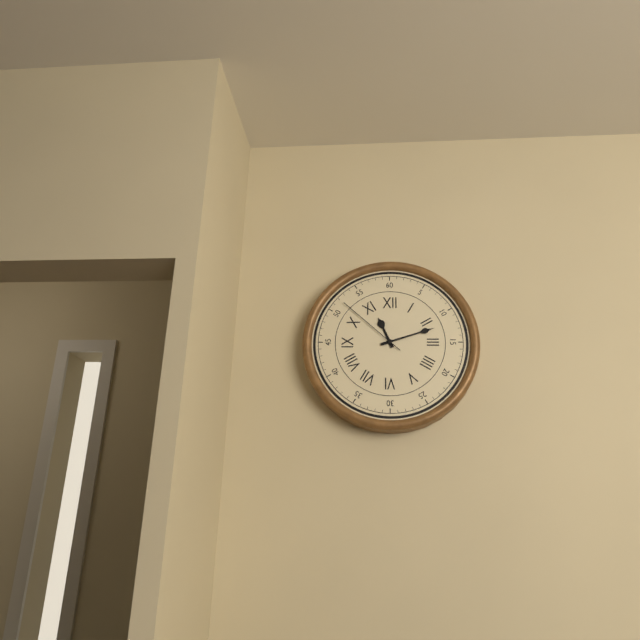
11:12:52
